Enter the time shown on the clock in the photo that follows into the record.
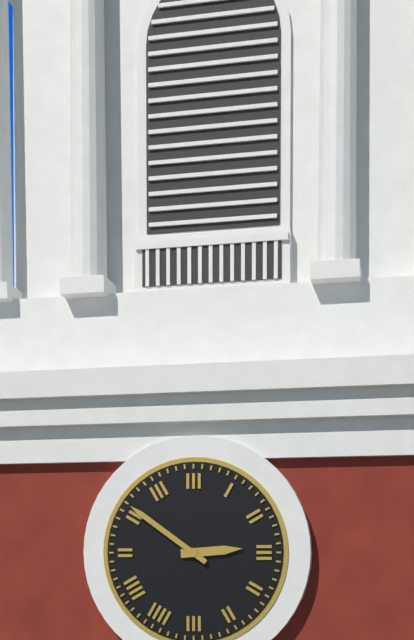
2:51
